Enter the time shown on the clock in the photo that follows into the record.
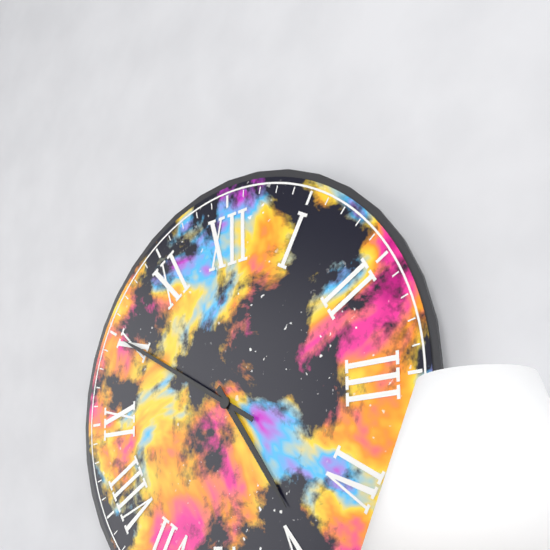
4:50
